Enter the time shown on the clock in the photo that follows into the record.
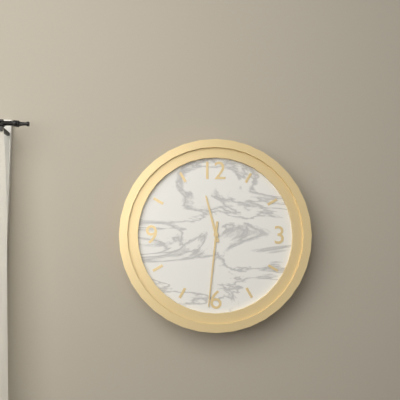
11:31
